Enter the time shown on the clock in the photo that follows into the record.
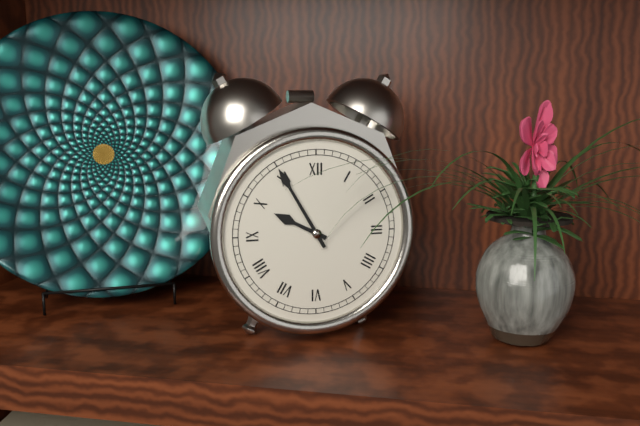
9:55
